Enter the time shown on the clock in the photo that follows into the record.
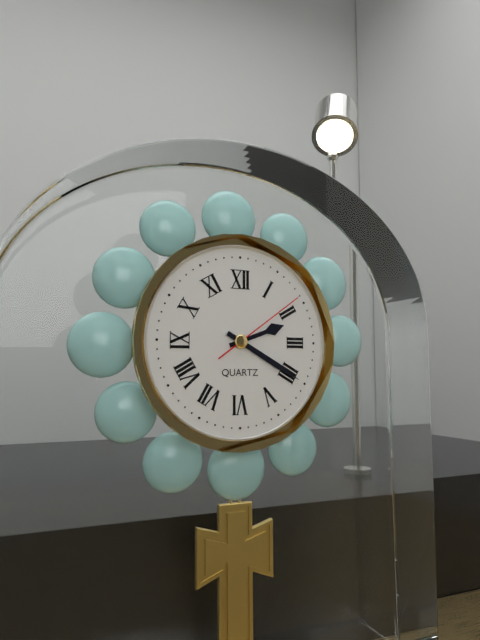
2:20:09
